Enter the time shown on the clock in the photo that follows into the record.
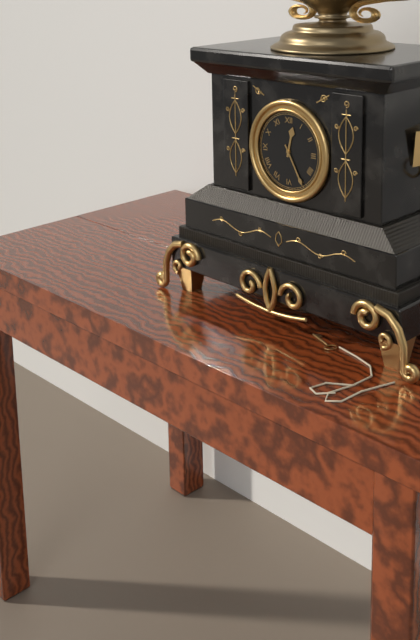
12:25
